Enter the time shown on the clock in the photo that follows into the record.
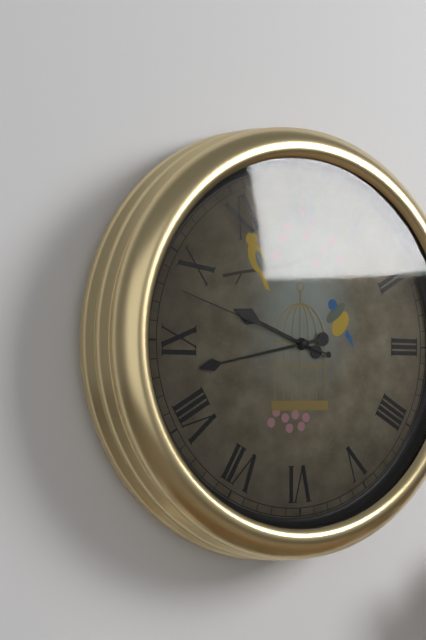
9:43:48
